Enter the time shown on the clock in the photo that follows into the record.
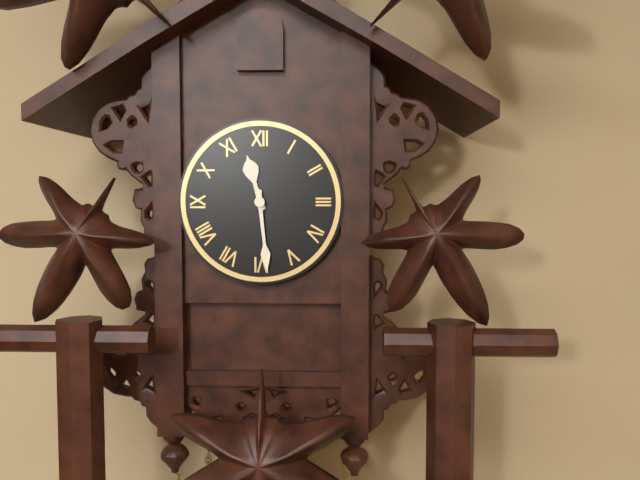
11:29
